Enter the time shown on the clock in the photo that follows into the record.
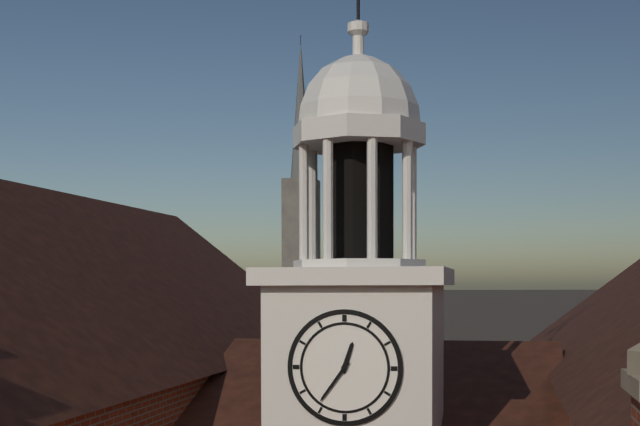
12:36
